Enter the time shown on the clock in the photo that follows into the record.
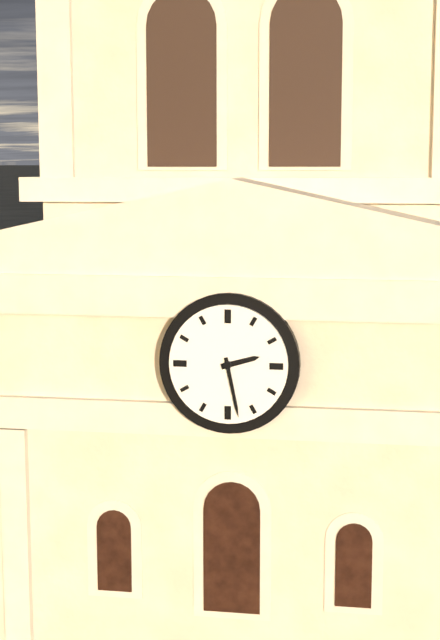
2:28
